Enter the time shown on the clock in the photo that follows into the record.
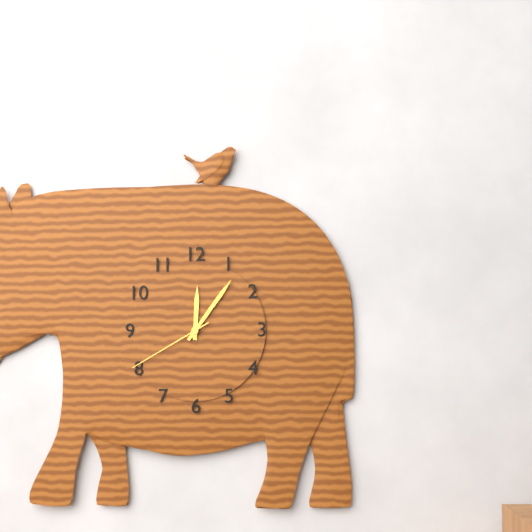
12:06:40
